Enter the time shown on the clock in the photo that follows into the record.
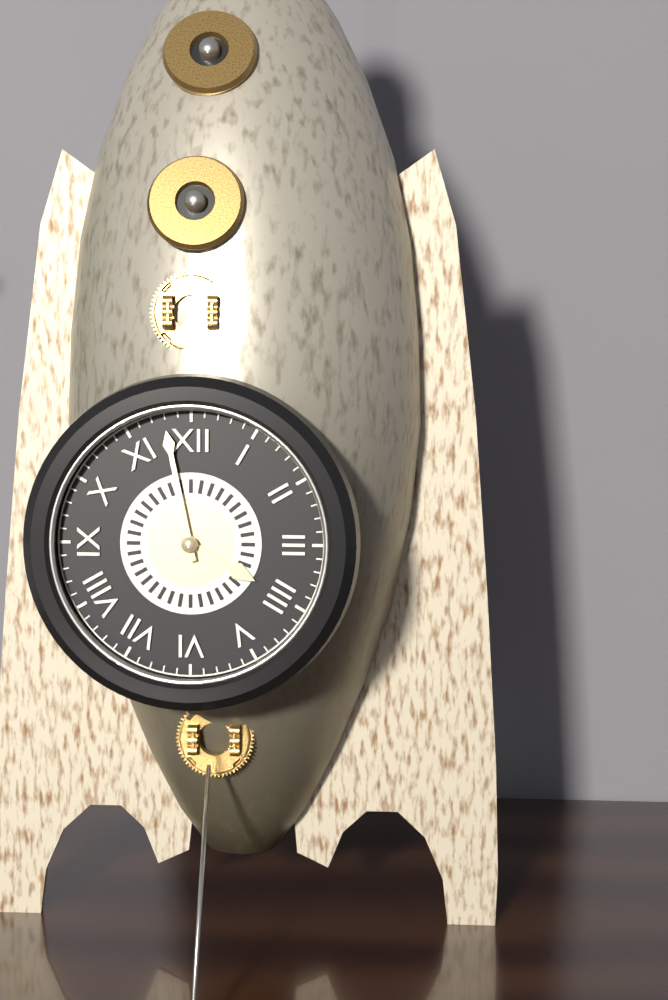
3:58
